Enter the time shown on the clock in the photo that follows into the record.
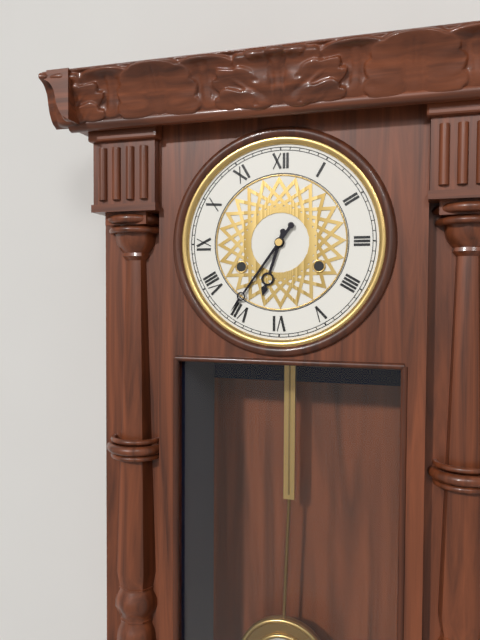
6:36
